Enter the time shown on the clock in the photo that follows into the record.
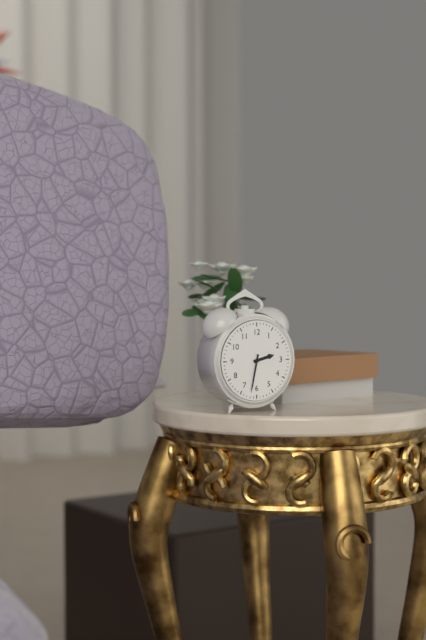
2:32
